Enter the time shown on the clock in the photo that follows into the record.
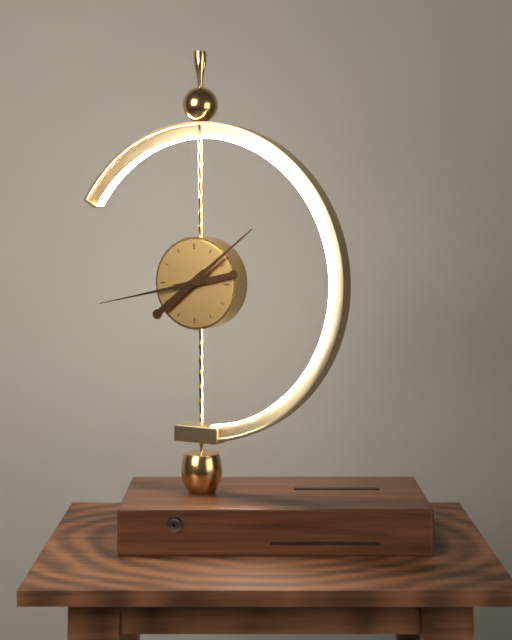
1:43
